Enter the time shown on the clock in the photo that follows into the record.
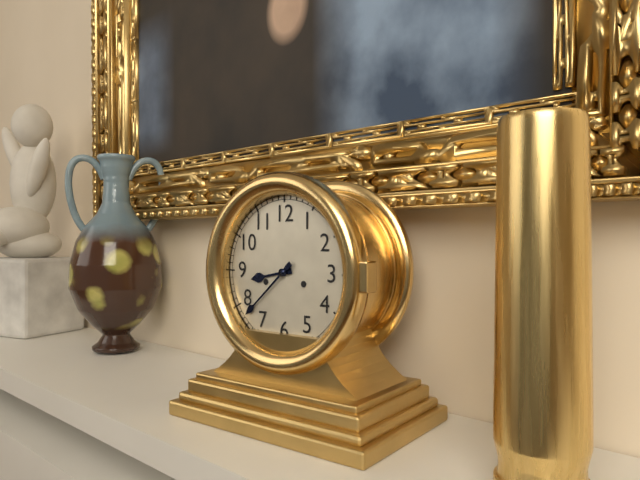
8:38
